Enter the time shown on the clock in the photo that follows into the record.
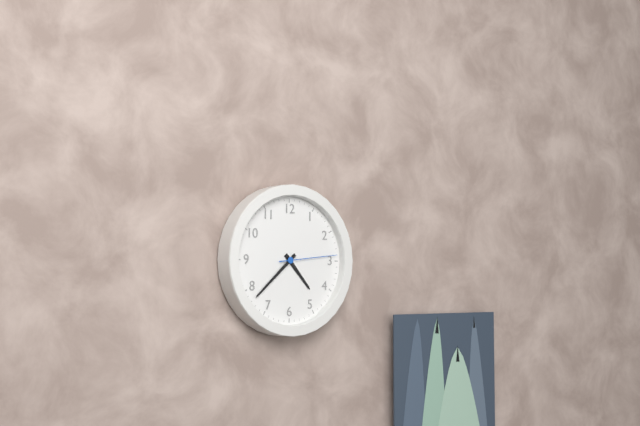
4:38:14
